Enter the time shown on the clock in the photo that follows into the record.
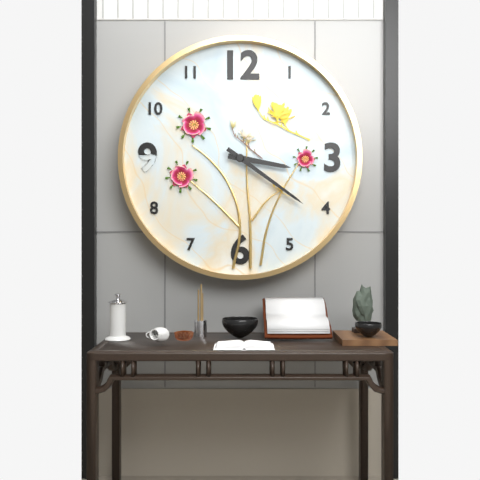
3:21
